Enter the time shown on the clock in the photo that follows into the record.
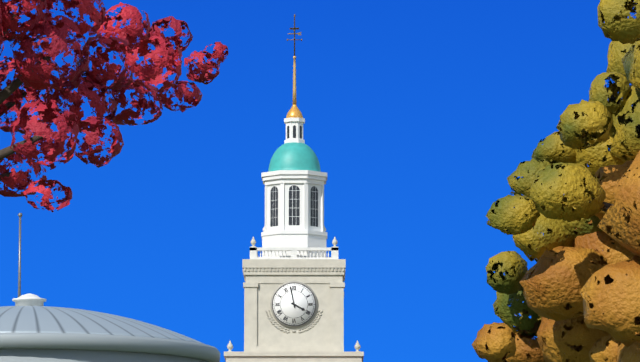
3:58
